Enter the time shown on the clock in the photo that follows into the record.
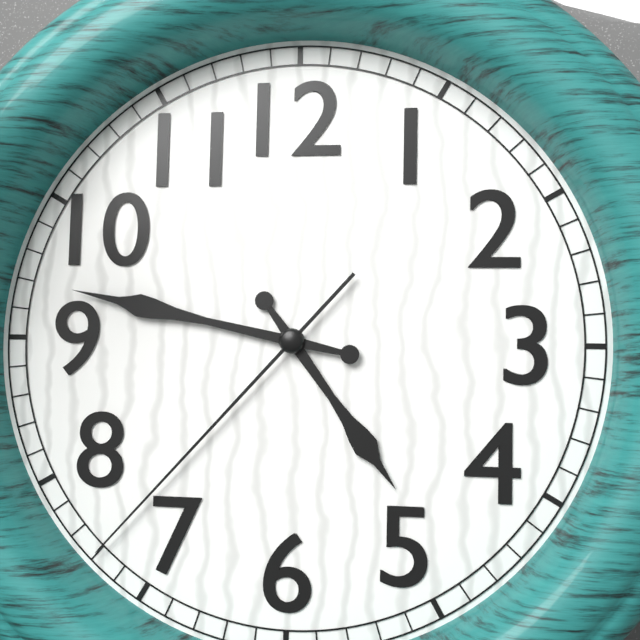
4:47:37
